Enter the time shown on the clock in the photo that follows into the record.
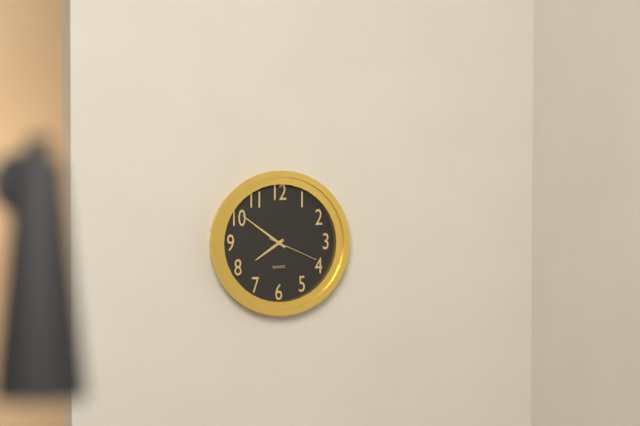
7:51:19
